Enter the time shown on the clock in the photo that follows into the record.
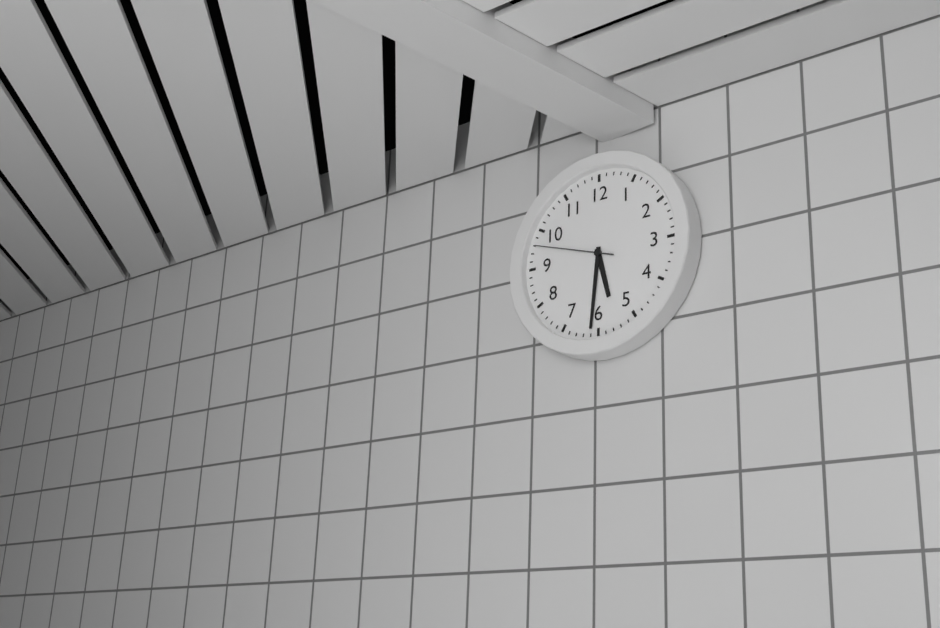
5:31:48
